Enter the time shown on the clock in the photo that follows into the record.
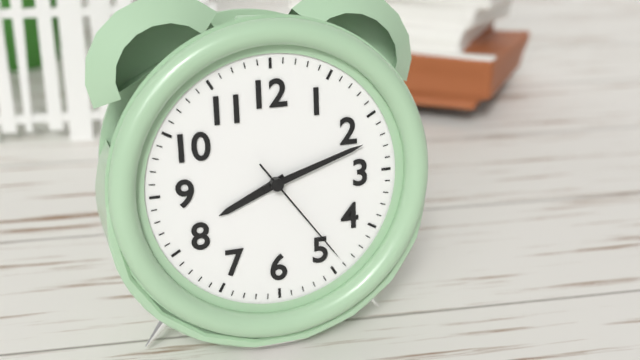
8:12:24
